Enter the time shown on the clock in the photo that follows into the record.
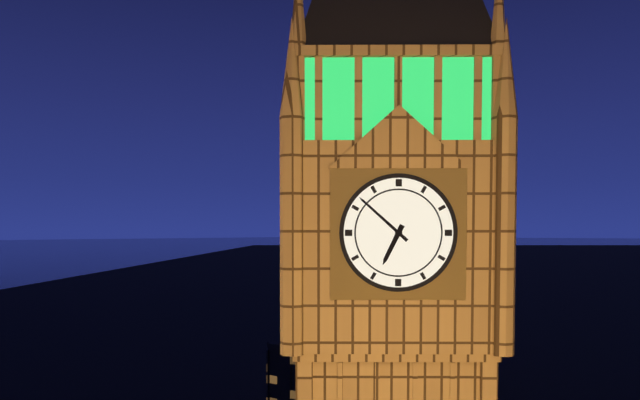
6:52
